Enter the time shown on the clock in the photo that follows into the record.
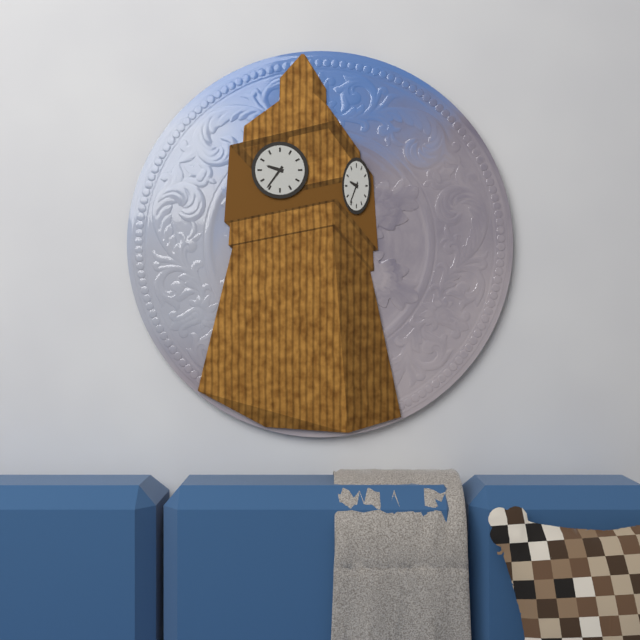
9:36
